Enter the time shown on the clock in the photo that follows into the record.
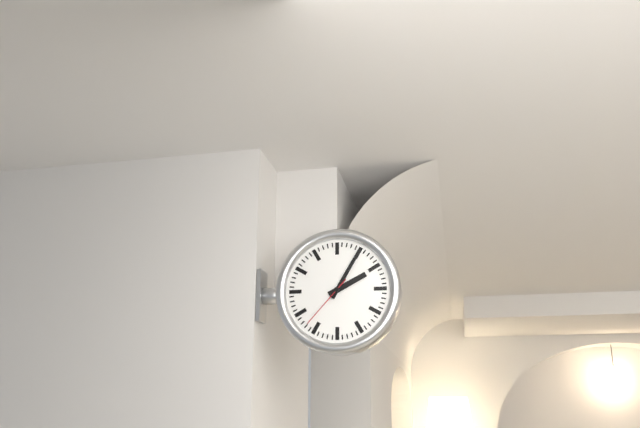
2:05:37
